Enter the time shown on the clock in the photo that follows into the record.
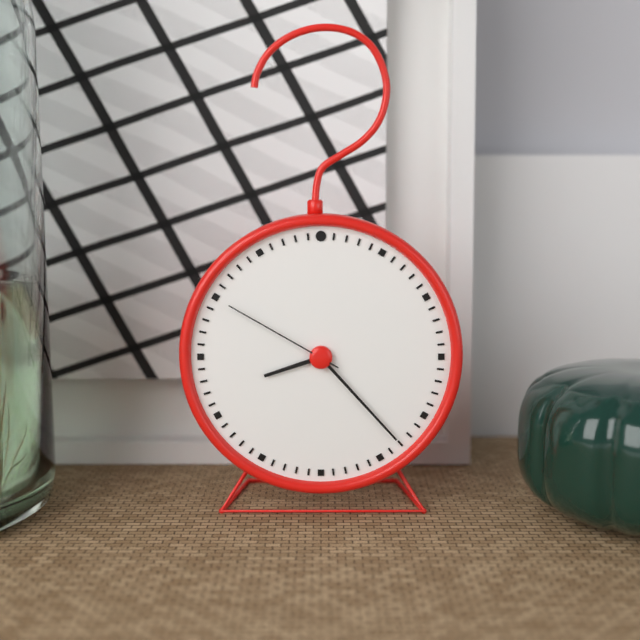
8:23:50
